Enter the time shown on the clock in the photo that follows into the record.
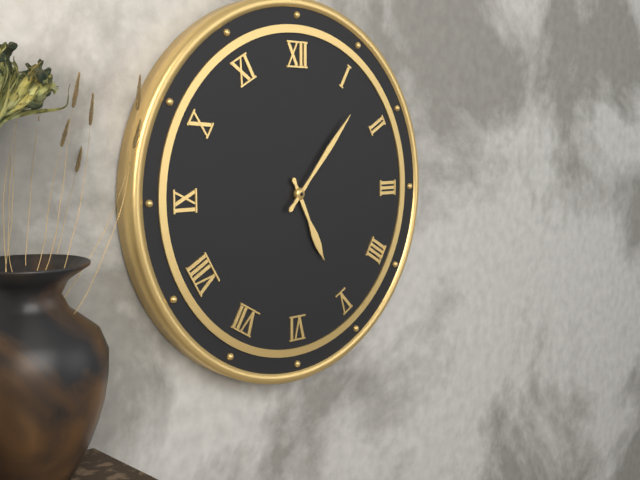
5:07
